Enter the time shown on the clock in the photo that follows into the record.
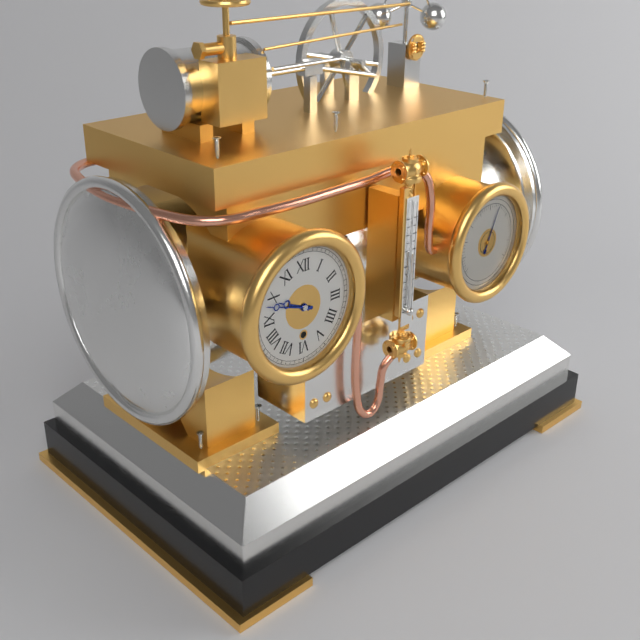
9:48
